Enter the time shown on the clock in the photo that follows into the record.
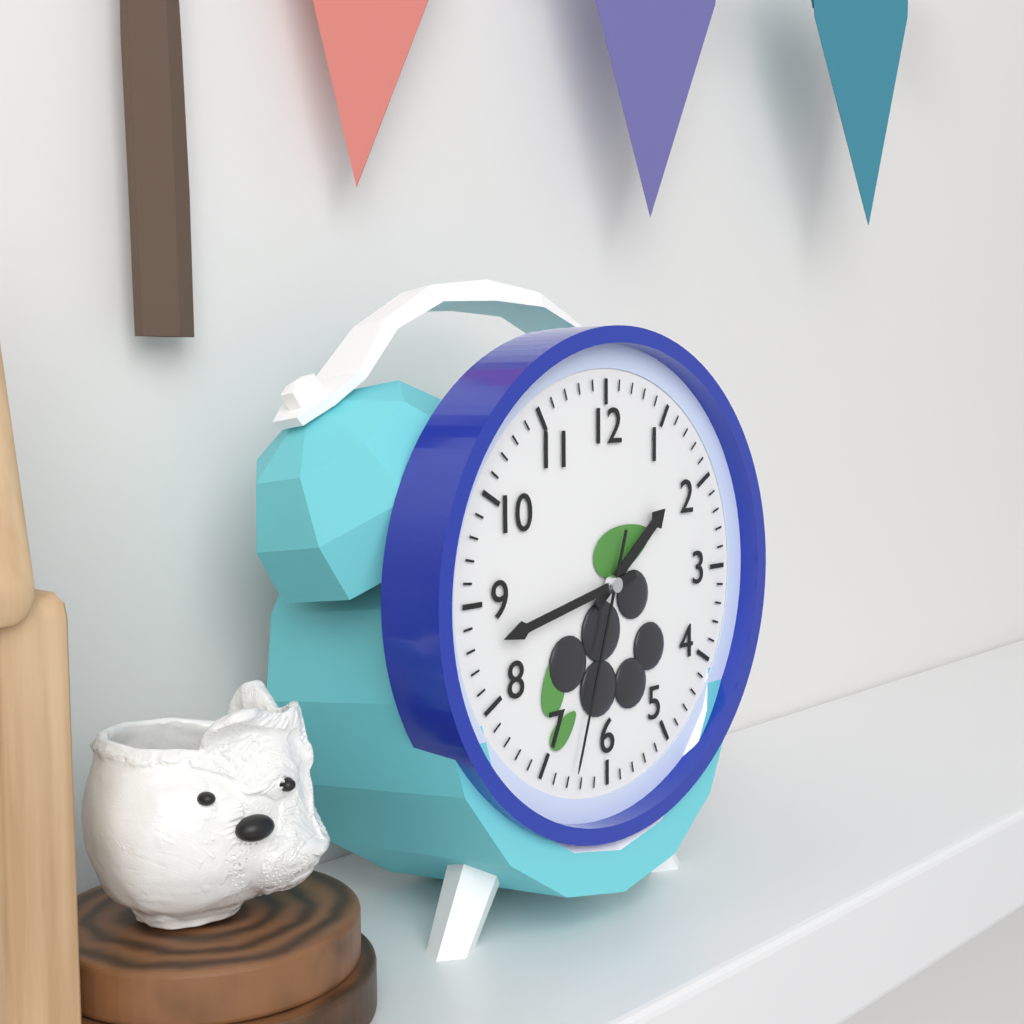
1:43:33
